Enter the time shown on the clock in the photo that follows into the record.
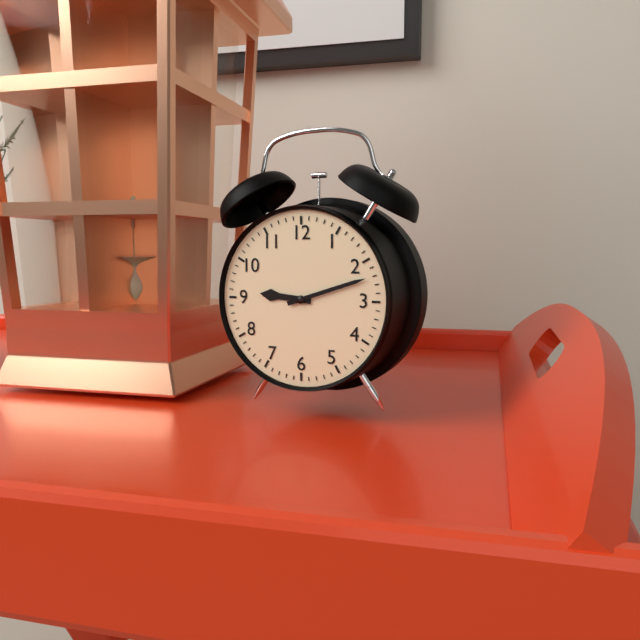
9:12
